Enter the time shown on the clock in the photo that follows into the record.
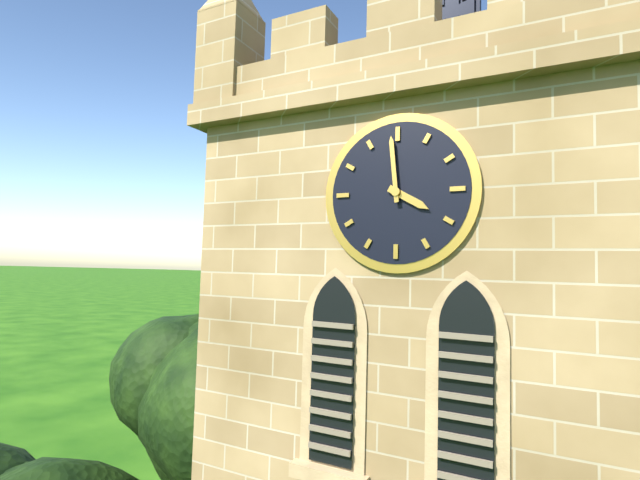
3:59
